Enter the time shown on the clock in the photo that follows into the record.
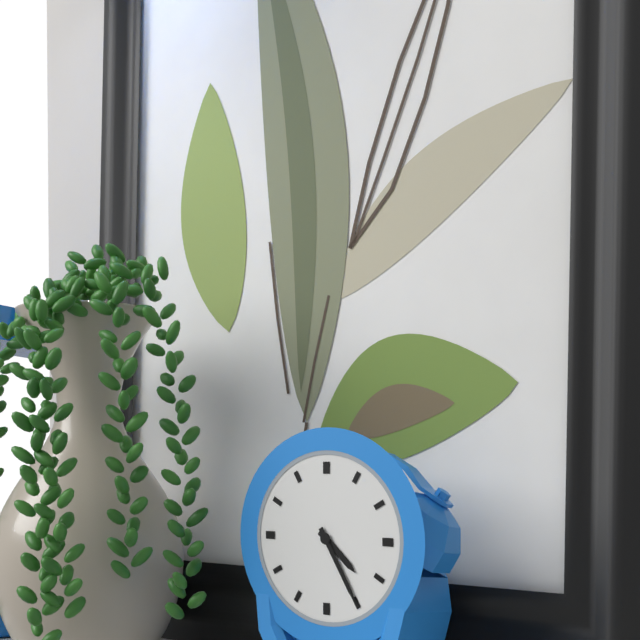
4:25
